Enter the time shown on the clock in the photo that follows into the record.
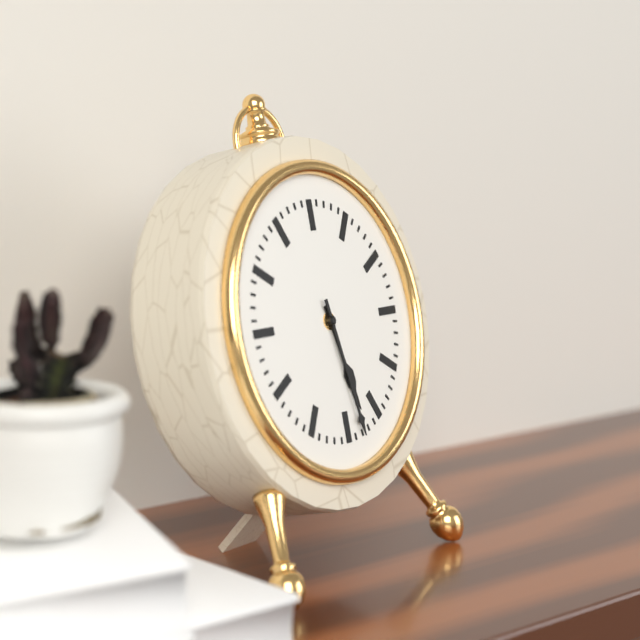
5:28
